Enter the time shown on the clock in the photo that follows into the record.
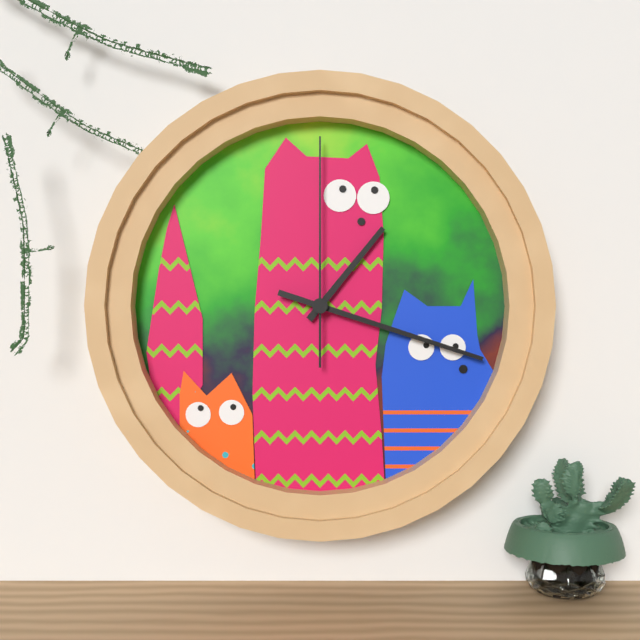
1:18:00
